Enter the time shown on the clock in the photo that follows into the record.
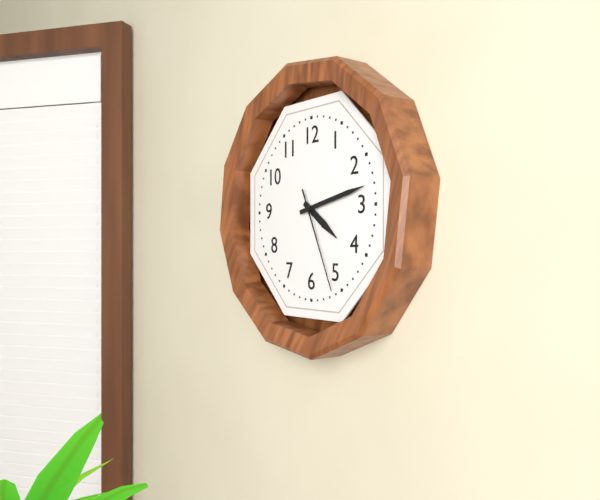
4:13:26
